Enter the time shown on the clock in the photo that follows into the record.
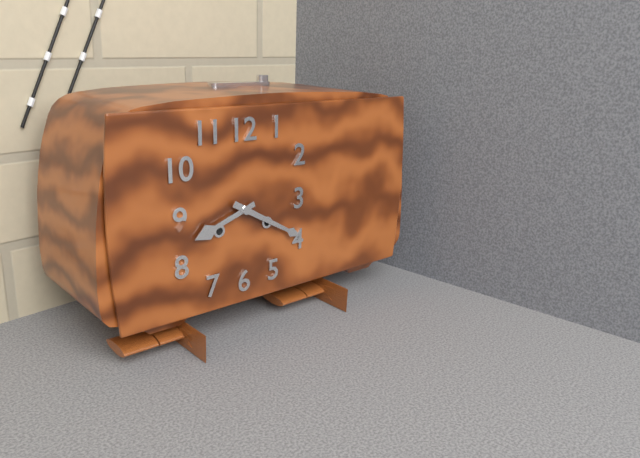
8:20
